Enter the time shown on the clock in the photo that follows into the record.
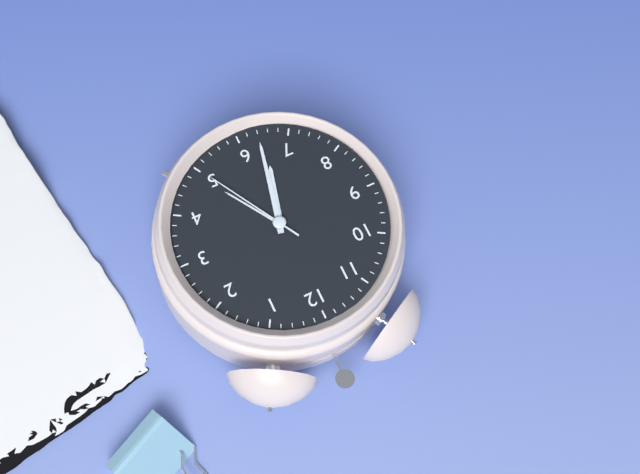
6:32:25
